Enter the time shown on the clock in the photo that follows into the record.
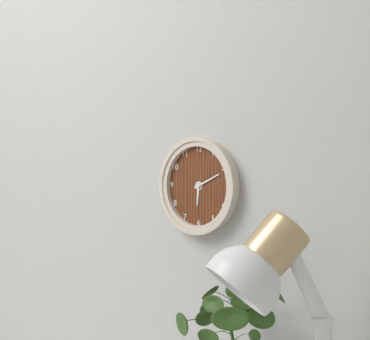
6:11
